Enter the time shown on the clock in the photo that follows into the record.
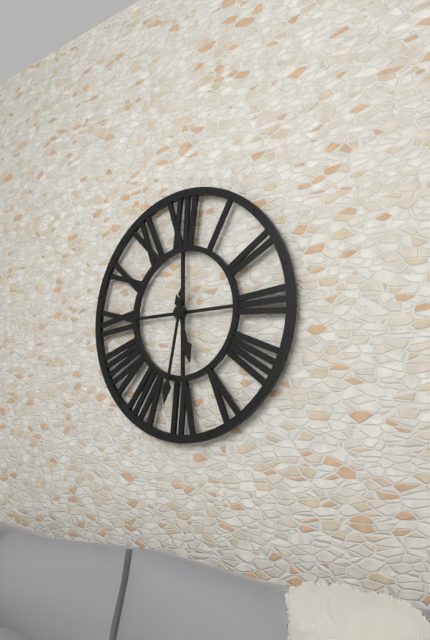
5:32
